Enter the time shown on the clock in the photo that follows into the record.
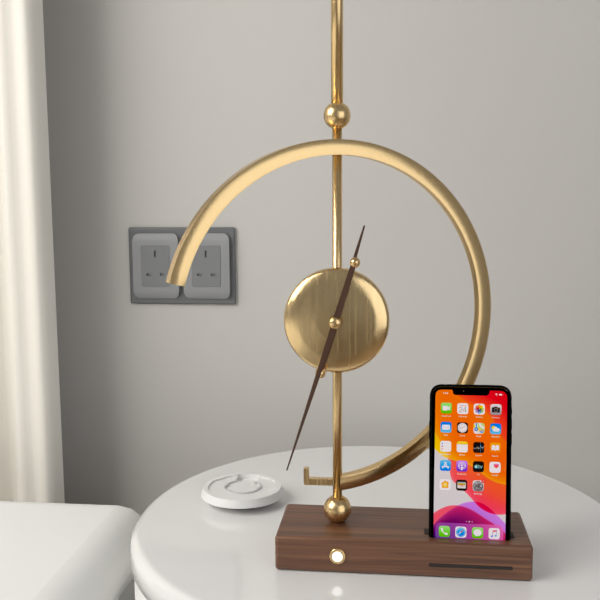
12:33
